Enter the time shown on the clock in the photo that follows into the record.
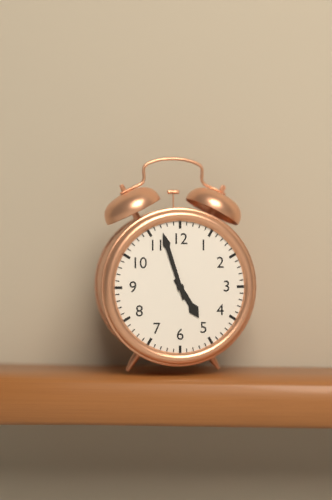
4:57
